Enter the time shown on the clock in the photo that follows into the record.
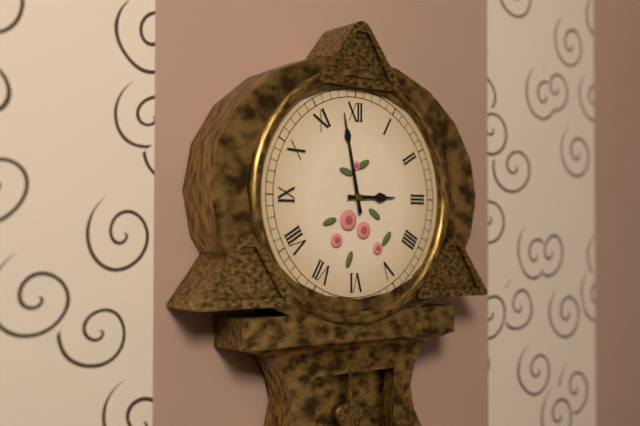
2:58
